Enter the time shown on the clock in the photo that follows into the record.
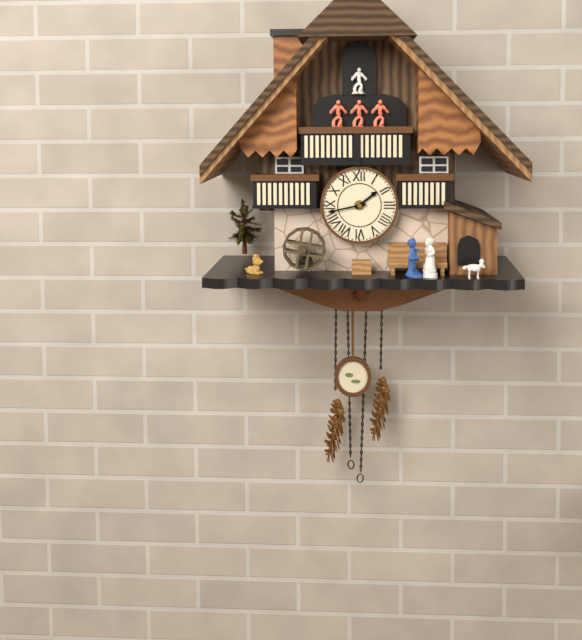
1:43
